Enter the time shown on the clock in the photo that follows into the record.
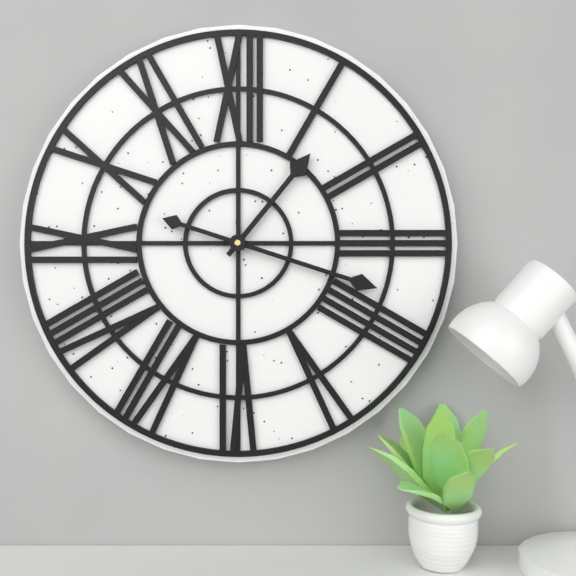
1:18
